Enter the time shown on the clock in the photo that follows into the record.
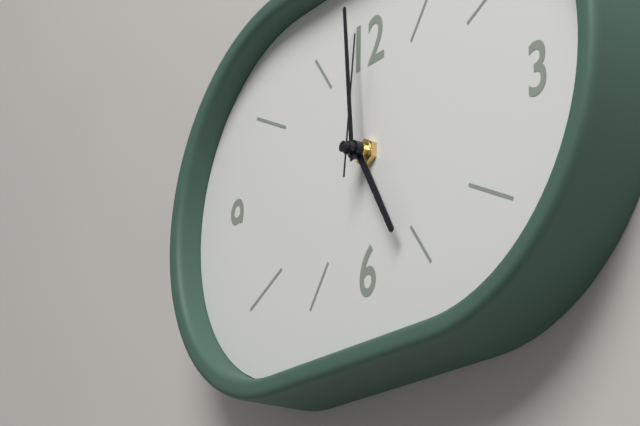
4:59:01
